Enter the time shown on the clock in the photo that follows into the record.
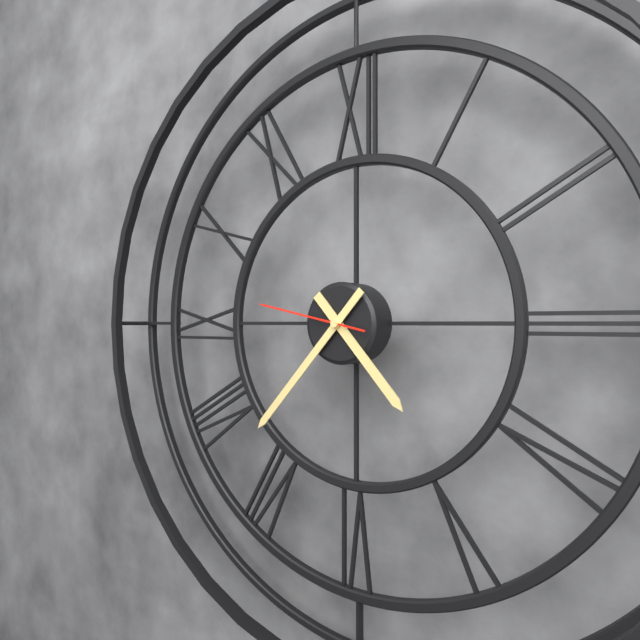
4:37:47
